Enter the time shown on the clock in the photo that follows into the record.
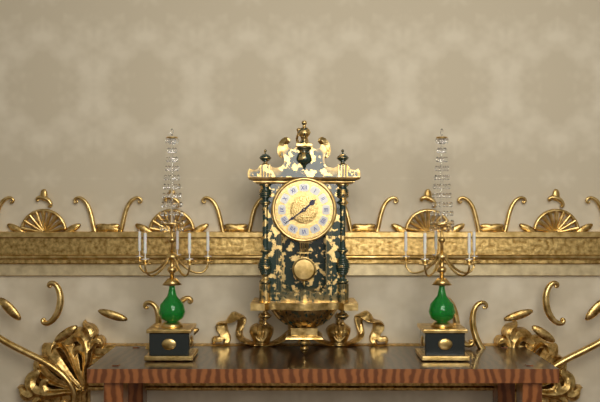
1:39
